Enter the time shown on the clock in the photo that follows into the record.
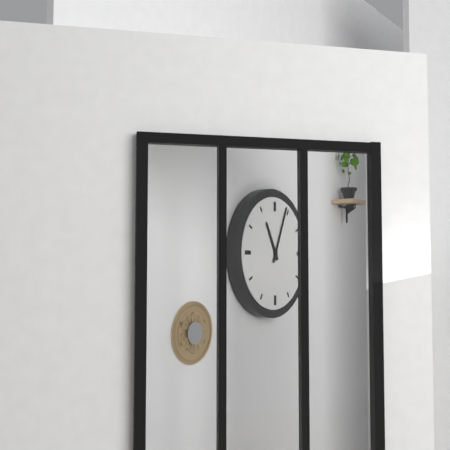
11:04
